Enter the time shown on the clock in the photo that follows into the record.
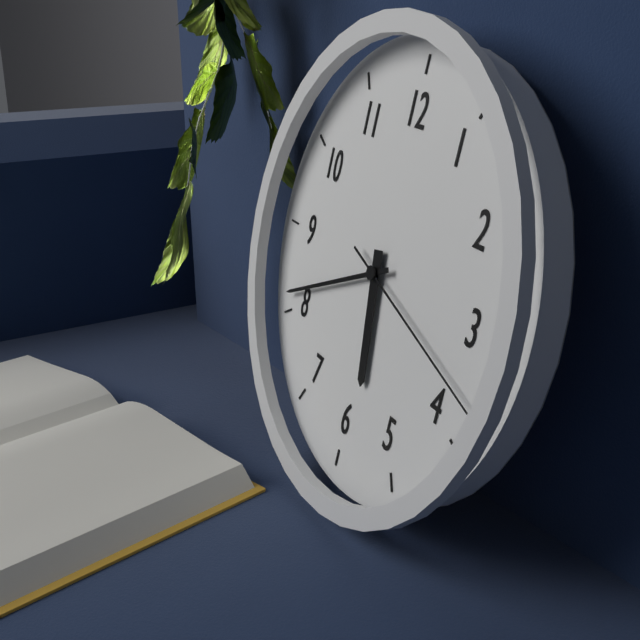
5:41:18
